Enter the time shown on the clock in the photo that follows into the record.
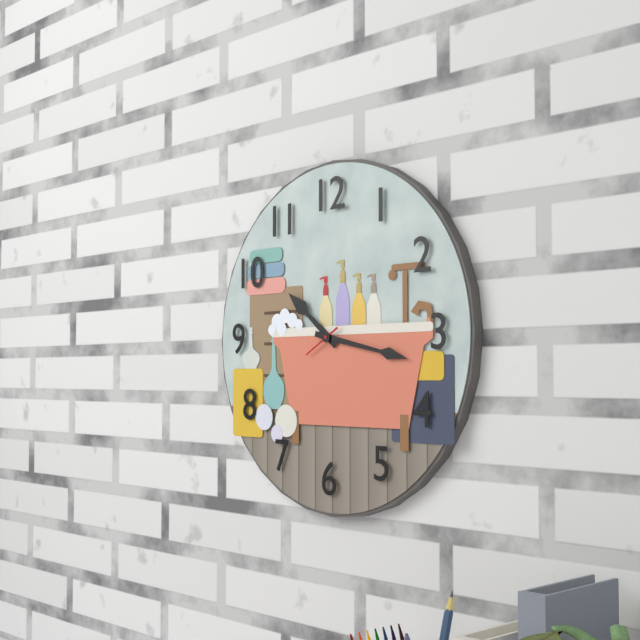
10:17
